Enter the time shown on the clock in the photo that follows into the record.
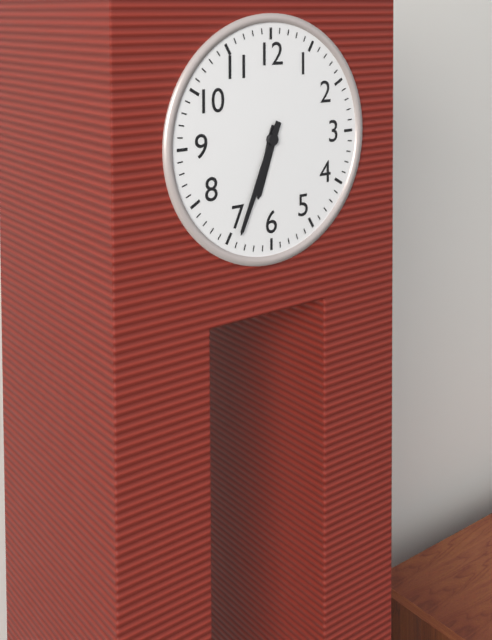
6:34
